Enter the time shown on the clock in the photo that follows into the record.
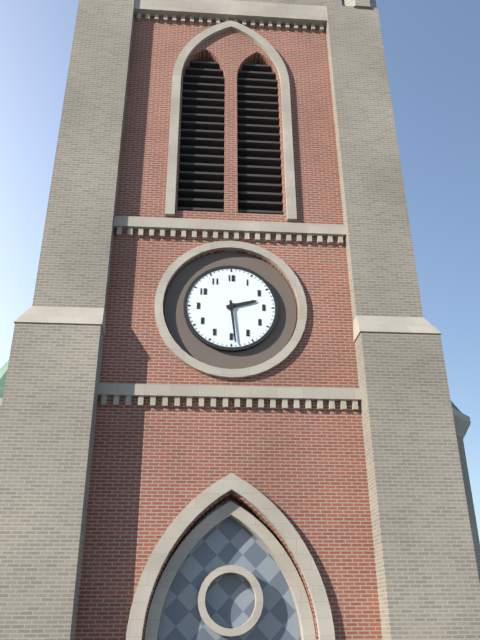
2:29
